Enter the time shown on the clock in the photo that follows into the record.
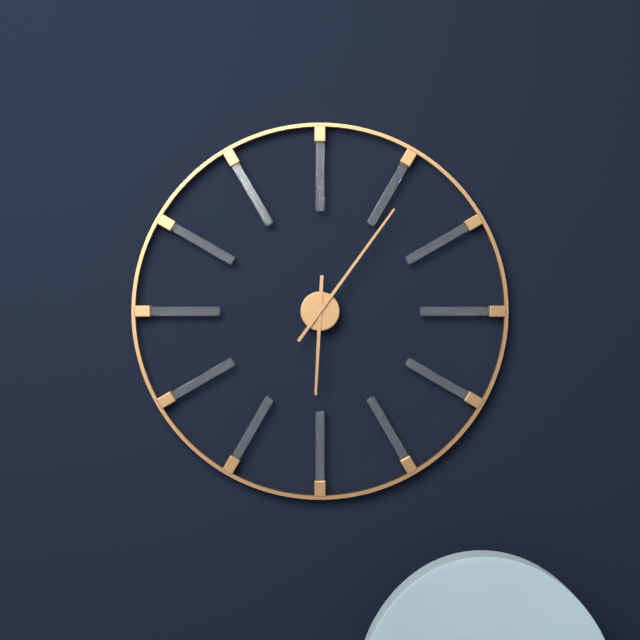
6:06
